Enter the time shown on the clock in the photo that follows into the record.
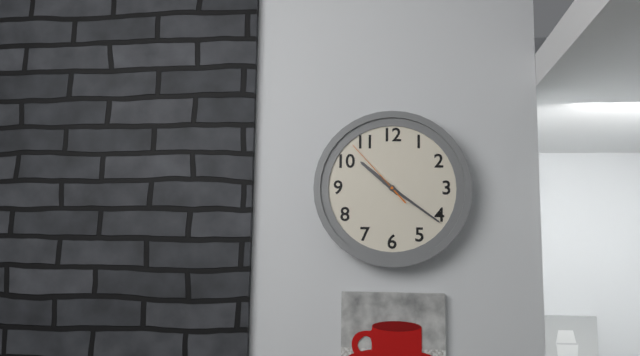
10:21:53
